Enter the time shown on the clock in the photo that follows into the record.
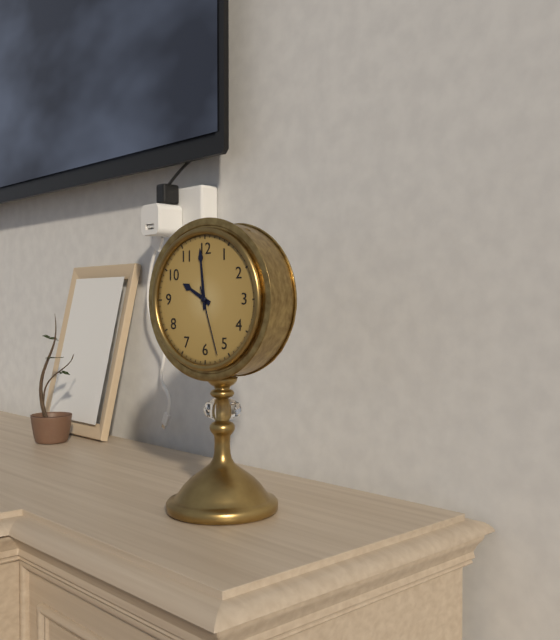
9:59:27
